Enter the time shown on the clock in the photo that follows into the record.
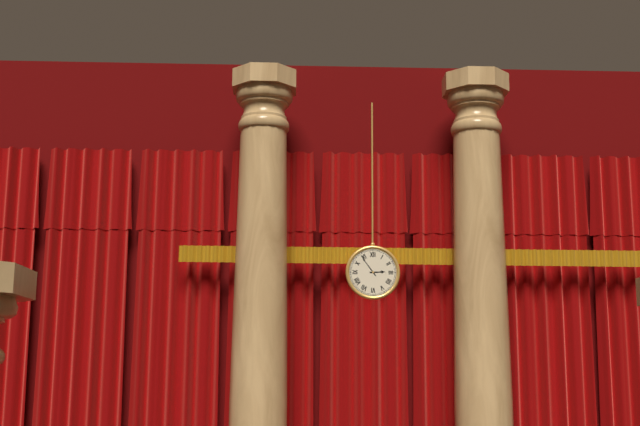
2:54
